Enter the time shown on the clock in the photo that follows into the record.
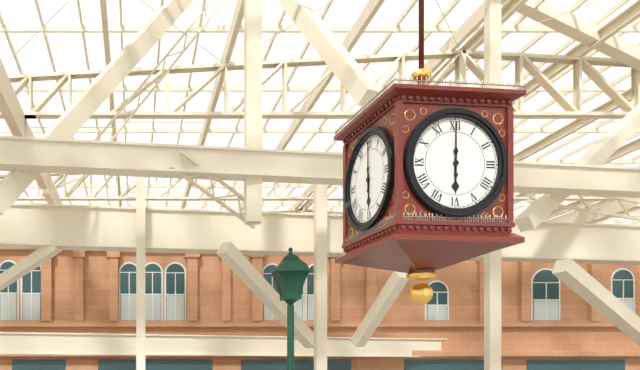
6:00
